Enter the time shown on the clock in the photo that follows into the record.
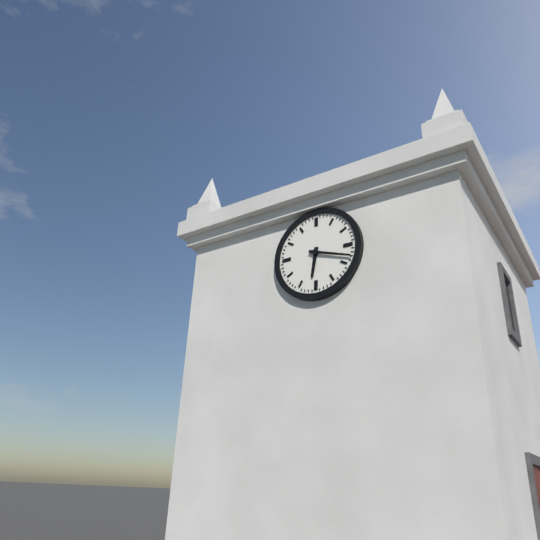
6:18
